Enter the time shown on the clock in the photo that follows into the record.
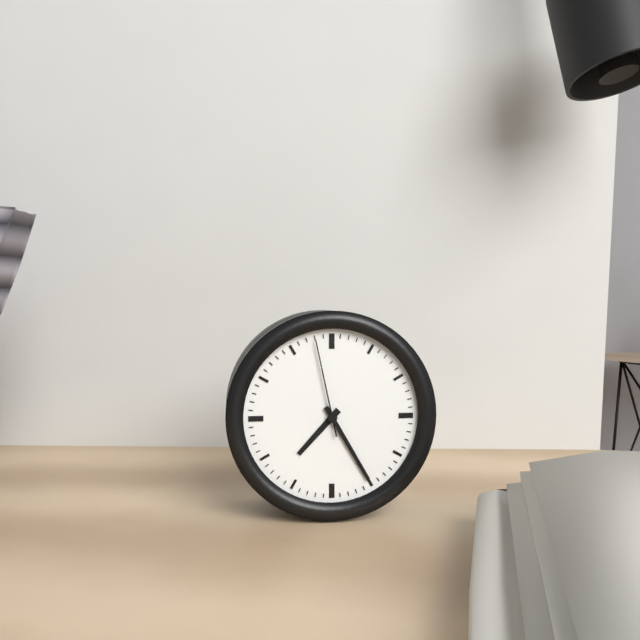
7:25:58
